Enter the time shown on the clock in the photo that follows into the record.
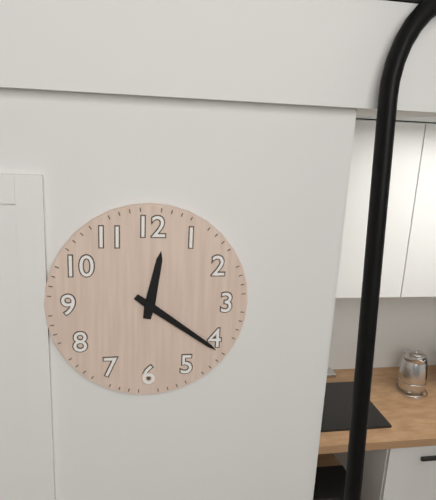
12:21
